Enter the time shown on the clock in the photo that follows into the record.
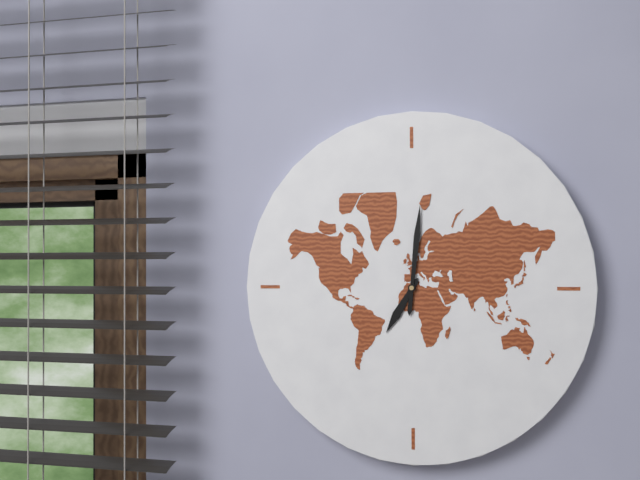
7:01
